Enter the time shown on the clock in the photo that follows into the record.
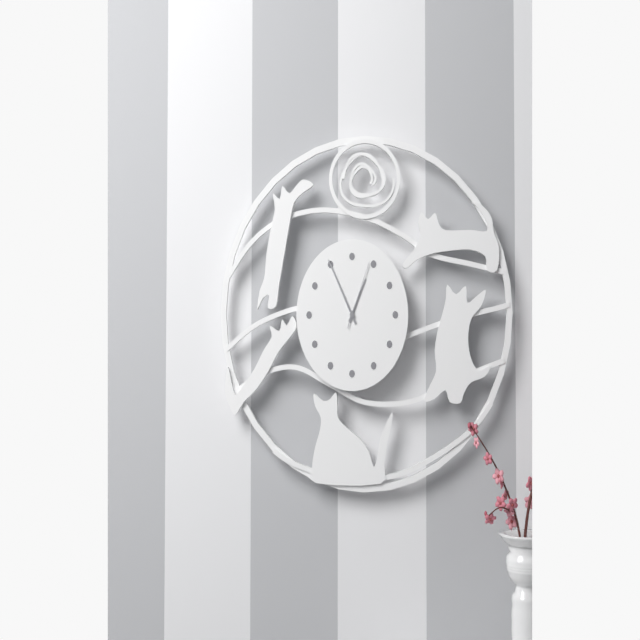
12:55:04
